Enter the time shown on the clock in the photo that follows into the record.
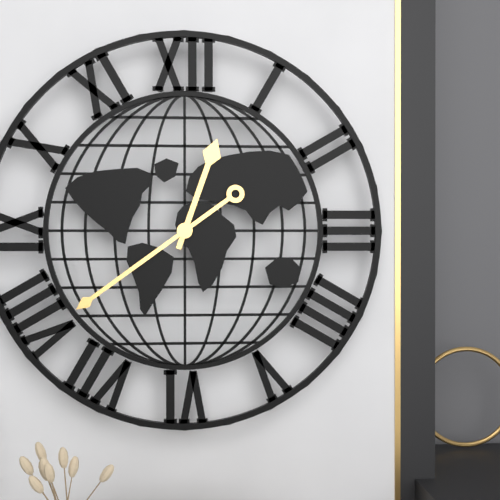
12:39
